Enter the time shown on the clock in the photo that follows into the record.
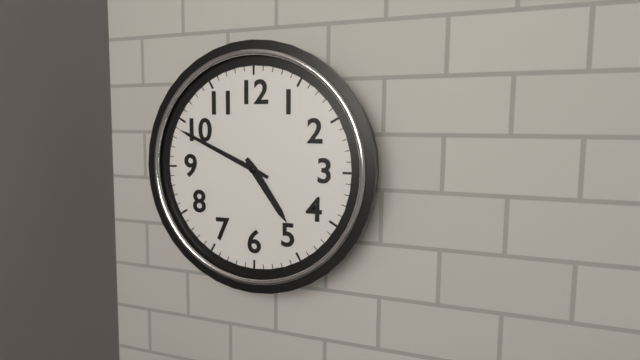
4:49
